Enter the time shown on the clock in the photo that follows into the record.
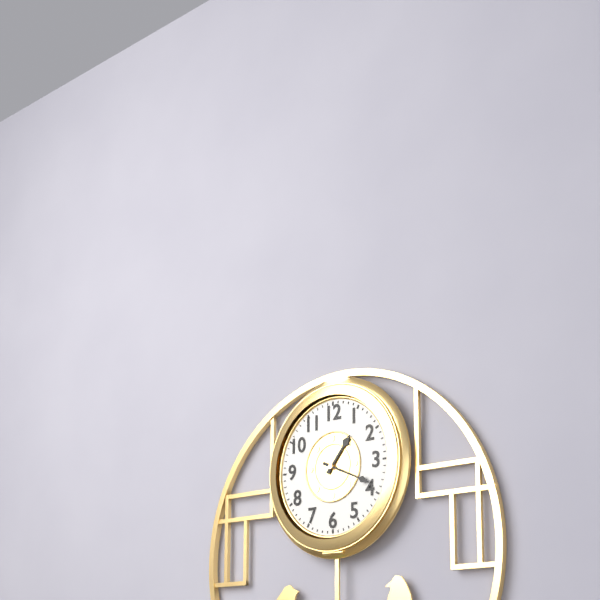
1:19
